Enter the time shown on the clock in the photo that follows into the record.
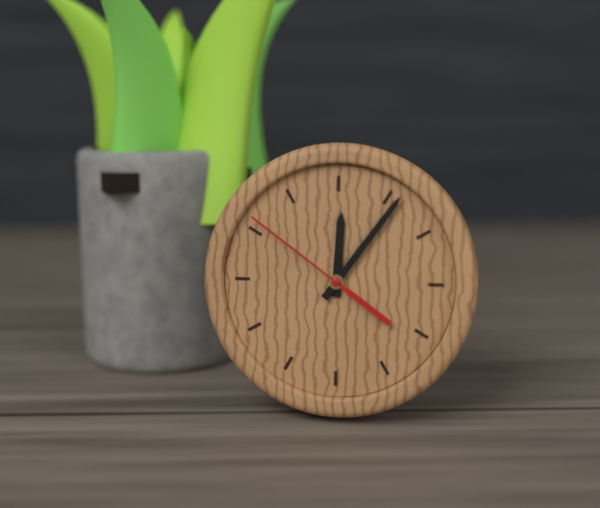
12:06:51
